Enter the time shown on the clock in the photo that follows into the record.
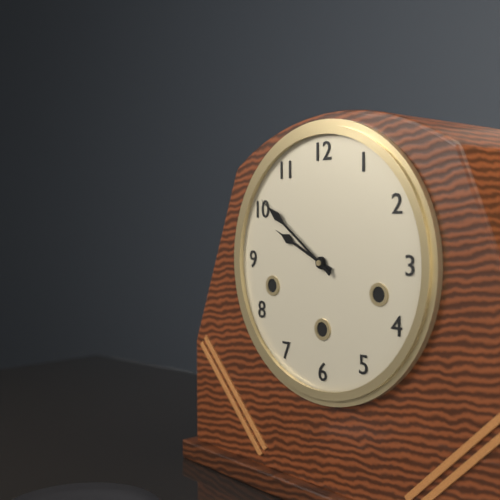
9:51
